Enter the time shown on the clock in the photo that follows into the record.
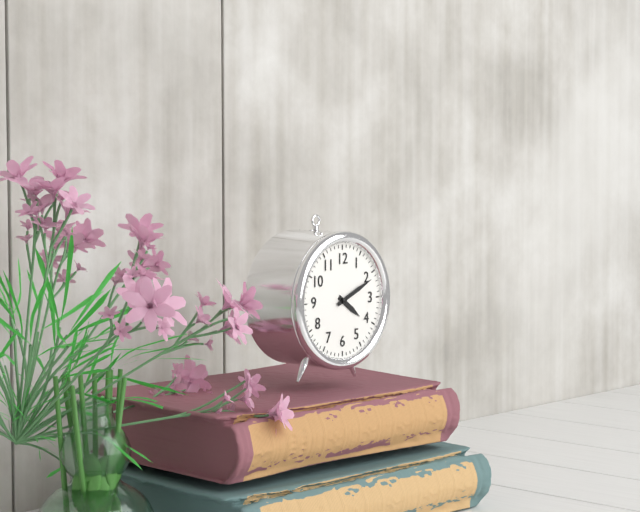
4:11
